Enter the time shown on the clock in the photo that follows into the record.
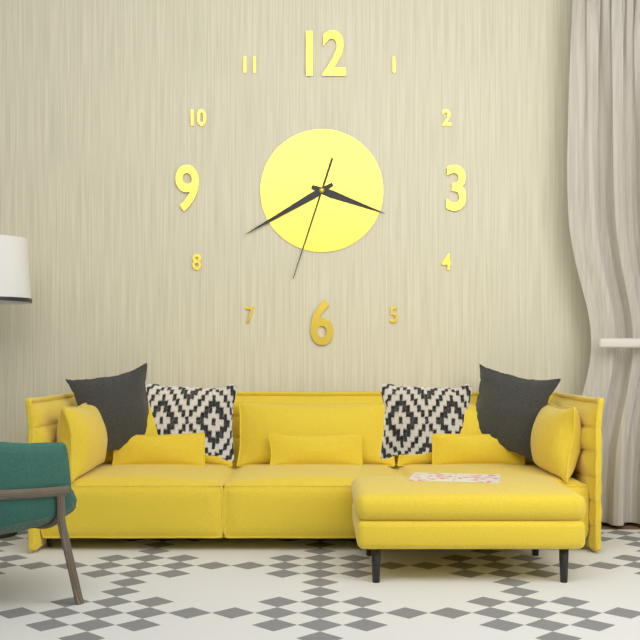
3:40:33
